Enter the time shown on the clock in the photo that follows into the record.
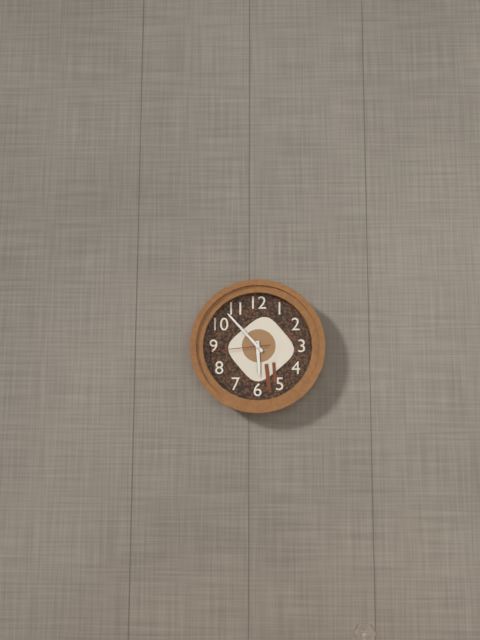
5:53:44
